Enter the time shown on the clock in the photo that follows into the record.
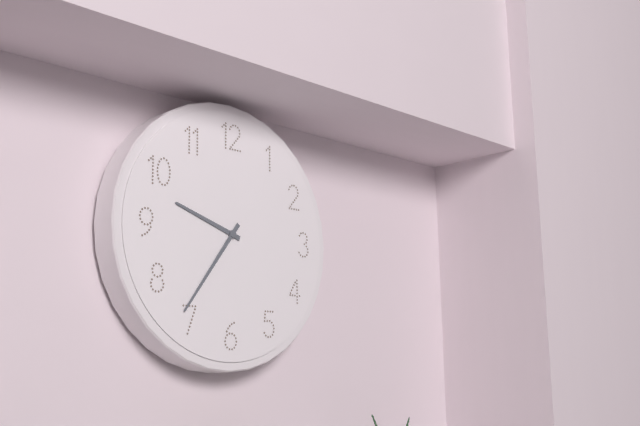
9:36
